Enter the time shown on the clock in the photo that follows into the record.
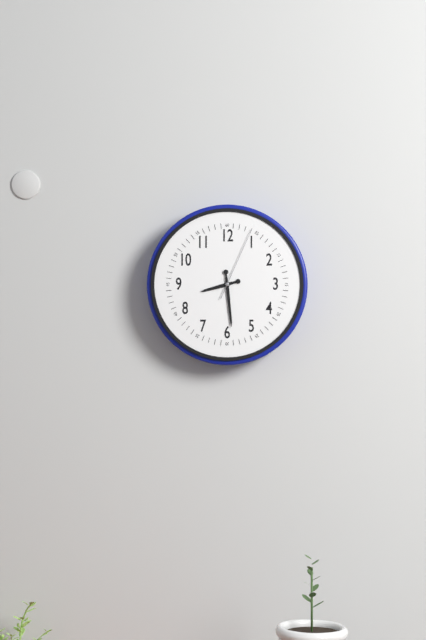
8:29:04
